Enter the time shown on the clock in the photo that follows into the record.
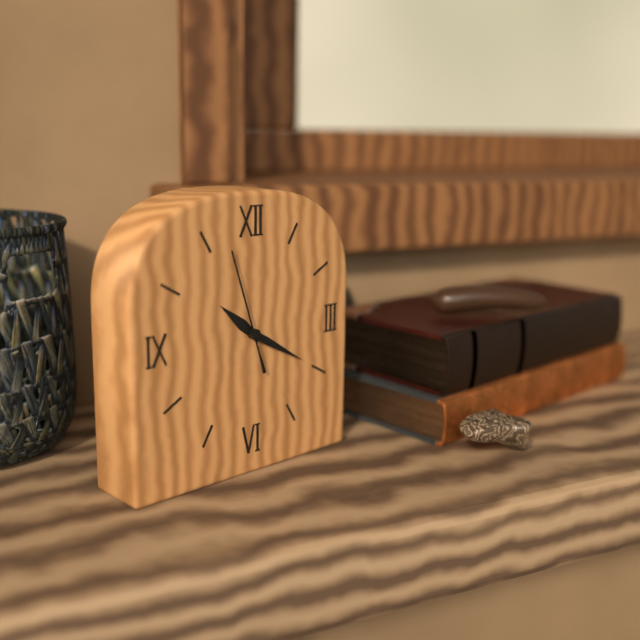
10:20:57
